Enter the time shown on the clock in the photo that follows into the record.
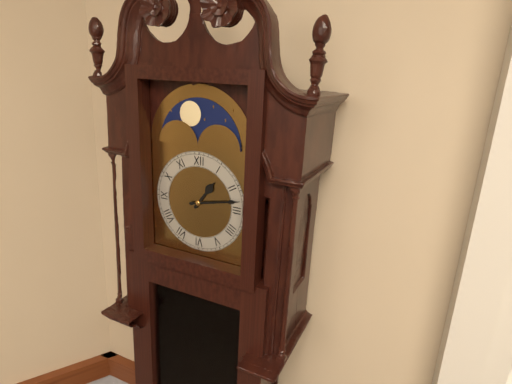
1:13
